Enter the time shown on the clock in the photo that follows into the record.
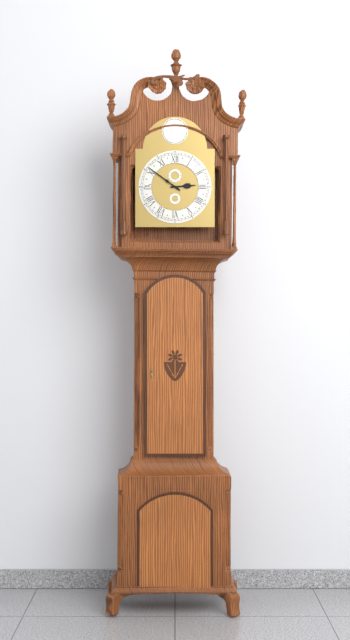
2:51
